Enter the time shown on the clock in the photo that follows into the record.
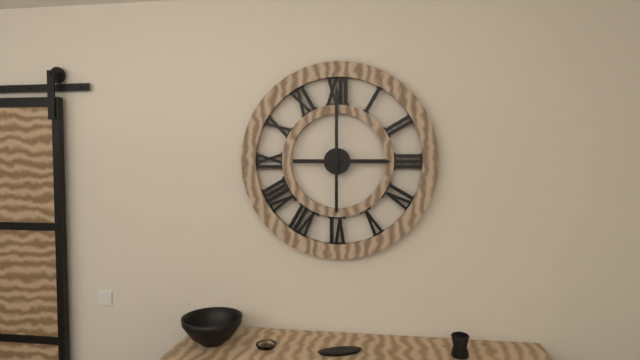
3:00
